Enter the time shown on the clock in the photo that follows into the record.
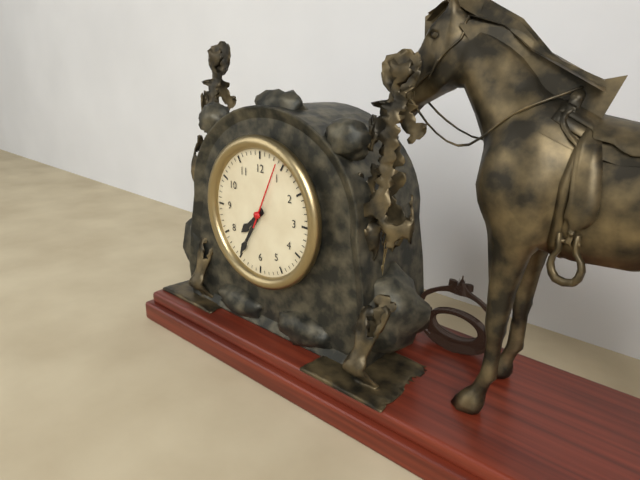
7:35:04
